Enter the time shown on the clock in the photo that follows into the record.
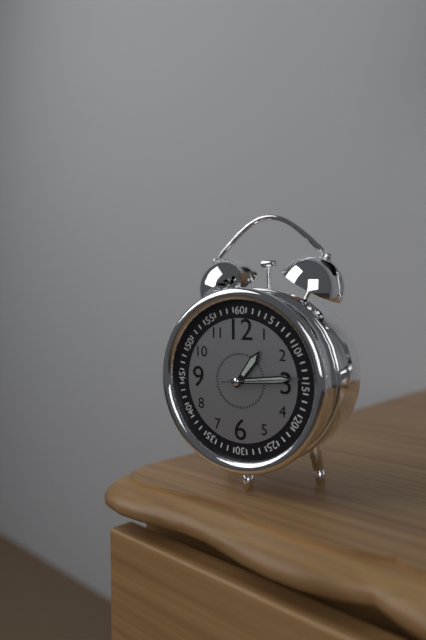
1:14:14
